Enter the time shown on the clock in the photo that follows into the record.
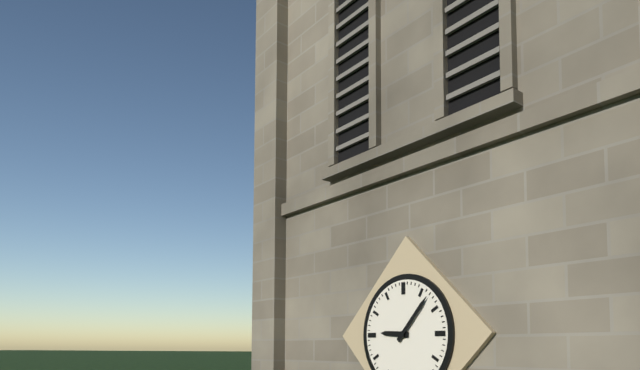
9:07
